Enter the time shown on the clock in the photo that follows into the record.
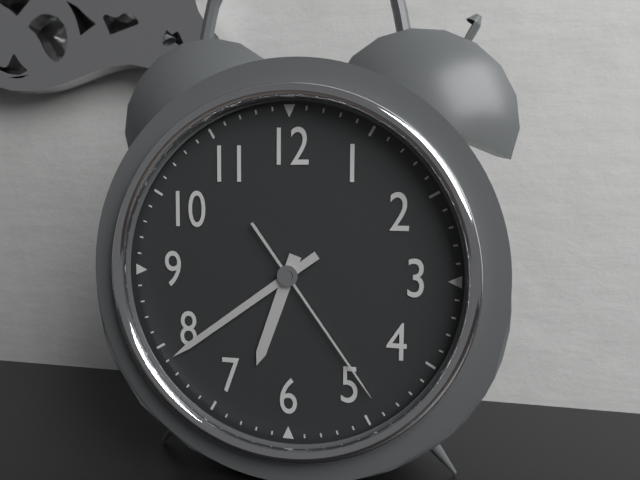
6:39:24
